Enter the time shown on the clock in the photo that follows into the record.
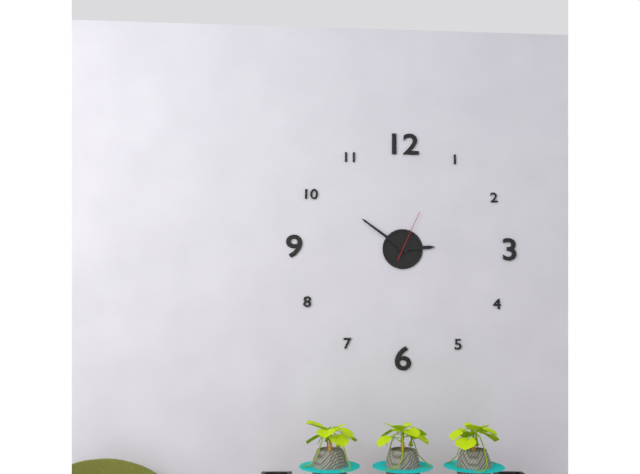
2:51:04
